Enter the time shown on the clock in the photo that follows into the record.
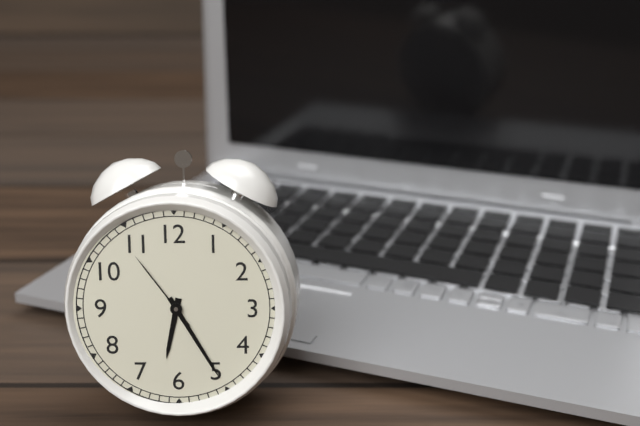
6:25:54
